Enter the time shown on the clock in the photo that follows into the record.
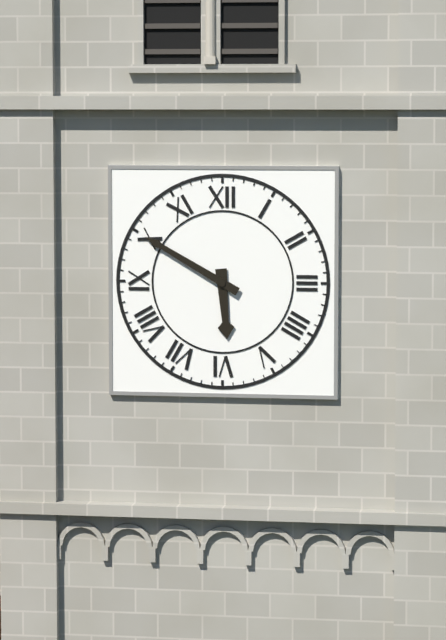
5:50
